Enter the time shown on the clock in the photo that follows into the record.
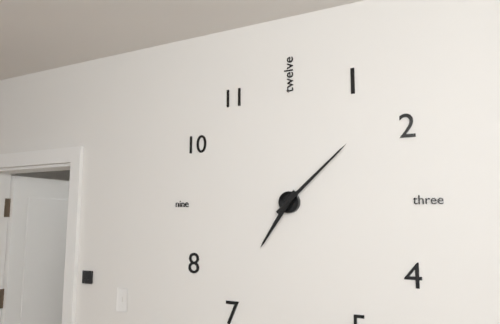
7:08
